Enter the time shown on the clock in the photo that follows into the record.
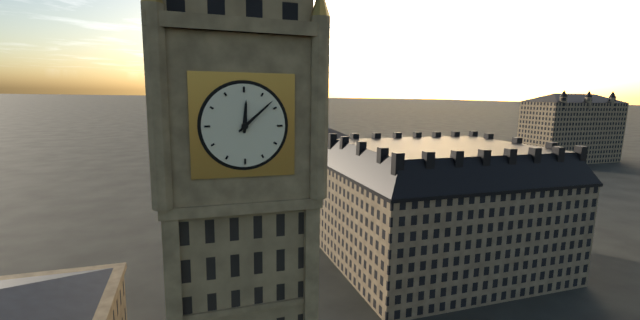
12:08
